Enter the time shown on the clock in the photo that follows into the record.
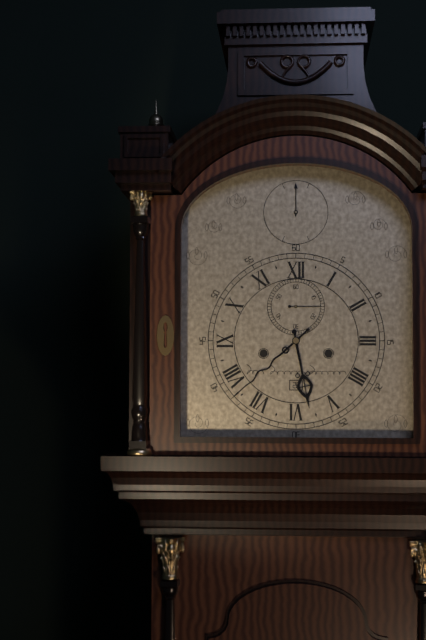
5:38
